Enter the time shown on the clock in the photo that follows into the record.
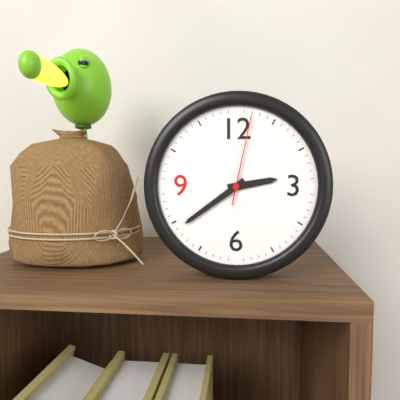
2:39:02
